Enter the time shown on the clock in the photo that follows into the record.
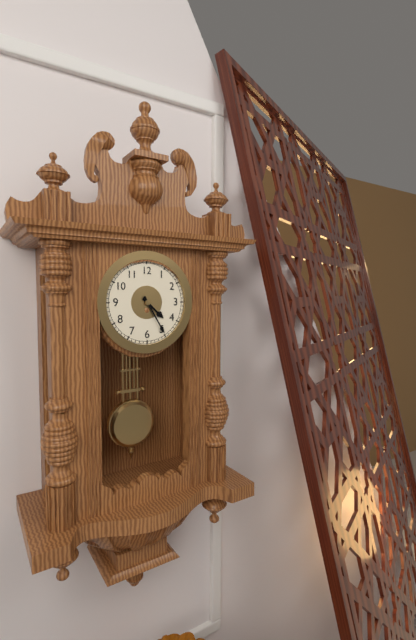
4:25
